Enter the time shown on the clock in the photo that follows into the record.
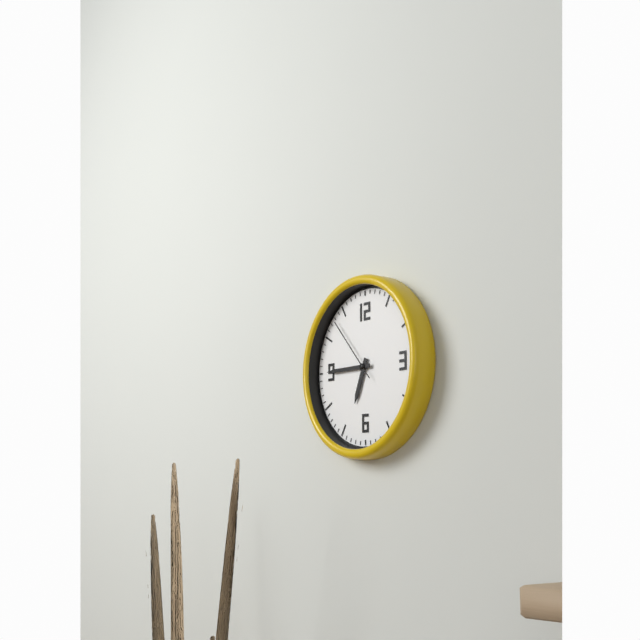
6:45:53
